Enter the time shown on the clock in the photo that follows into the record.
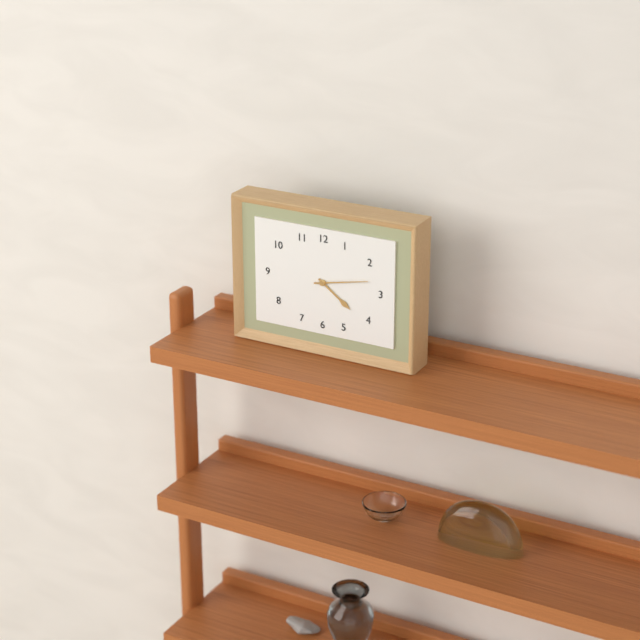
4:13
